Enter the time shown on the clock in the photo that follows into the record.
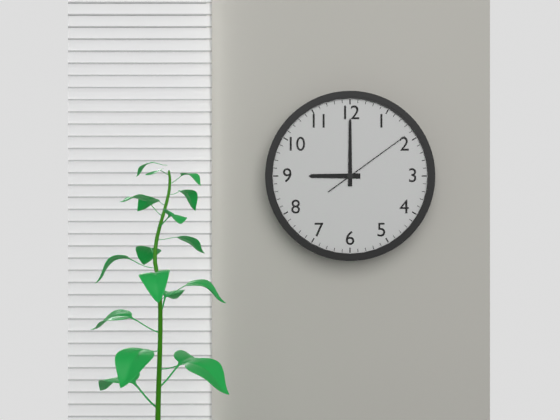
9:00:09
